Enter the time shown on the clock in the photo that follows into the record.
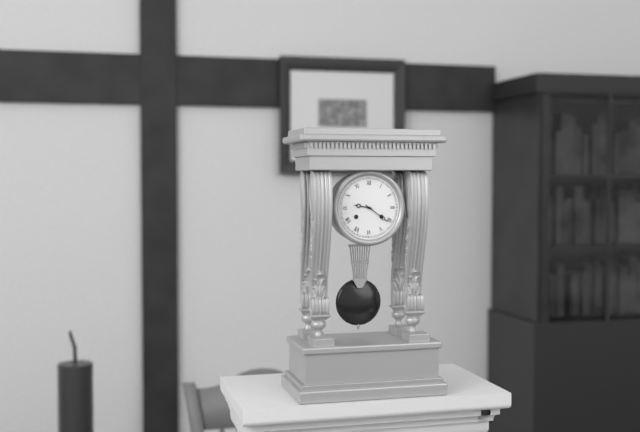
9:21
